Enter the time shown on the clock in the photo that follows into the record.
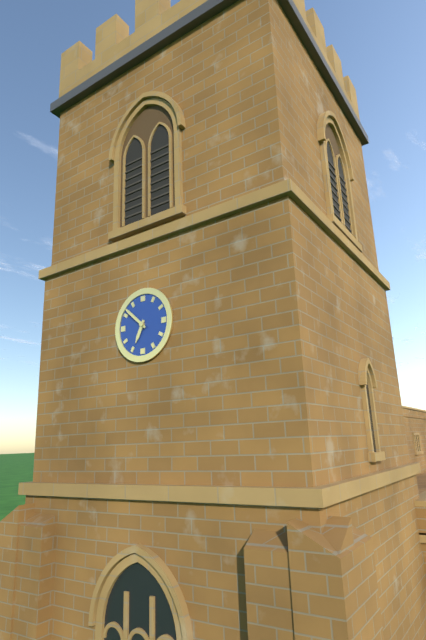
6:52
